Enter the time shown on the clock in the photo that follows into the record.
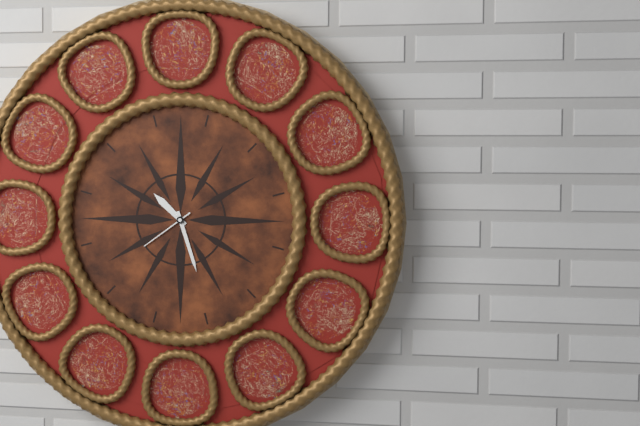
10:27:39
